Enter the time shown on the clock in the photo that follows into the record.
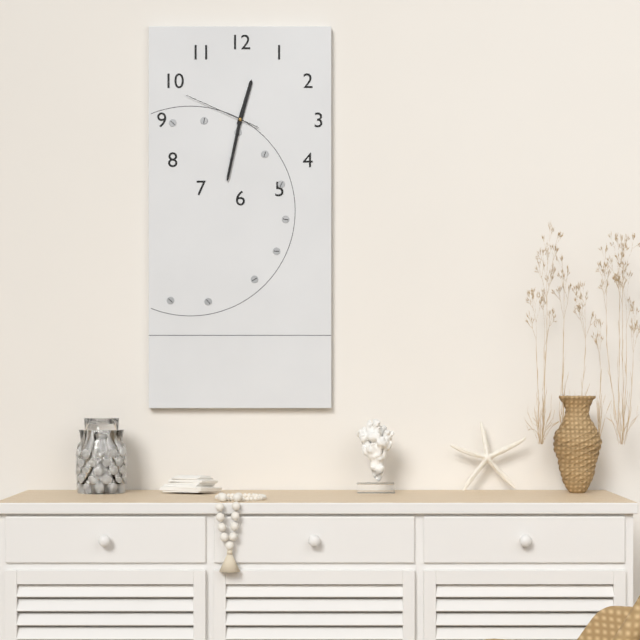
12:32:49
